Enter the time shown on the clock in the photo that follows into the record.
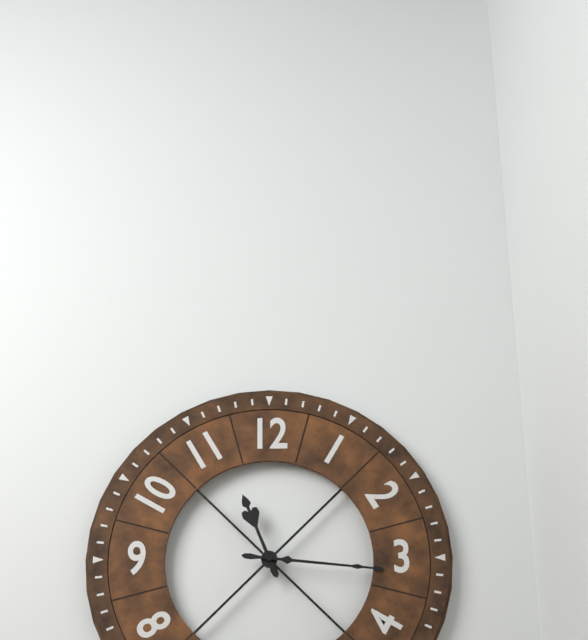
11:16
